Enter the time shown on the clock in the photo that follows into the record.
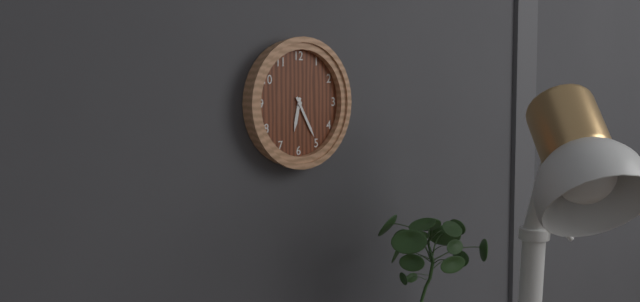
6:25
